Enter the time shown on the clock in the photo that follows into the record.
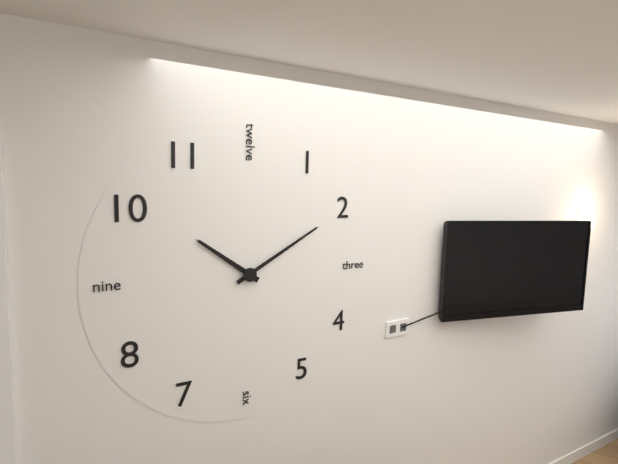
10:10
